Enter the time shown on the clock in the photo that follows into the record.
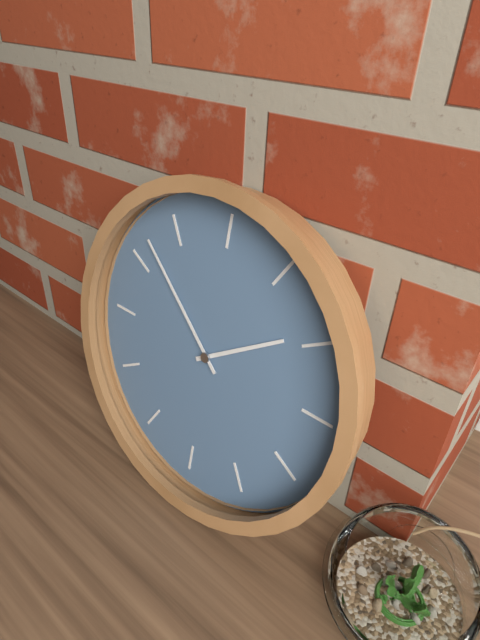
1:52
